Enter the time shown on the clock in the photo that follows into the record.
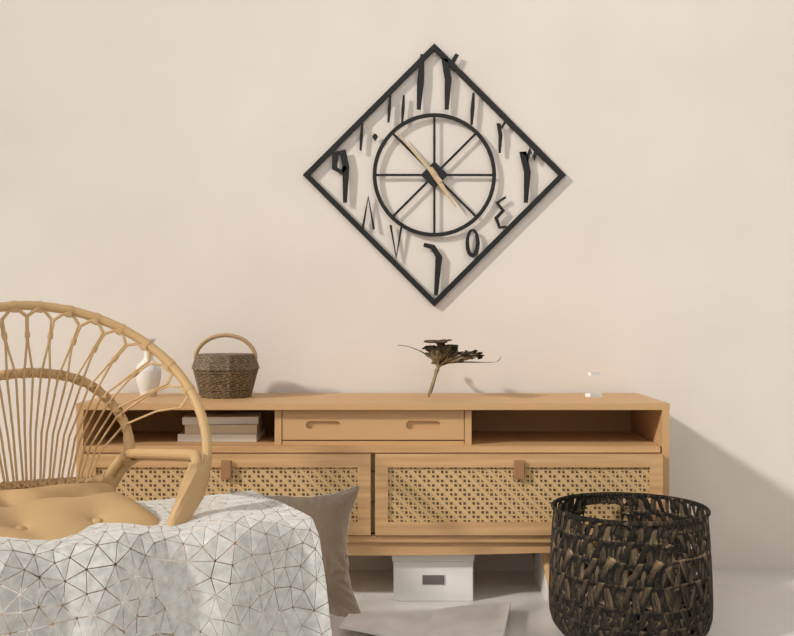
4:53
